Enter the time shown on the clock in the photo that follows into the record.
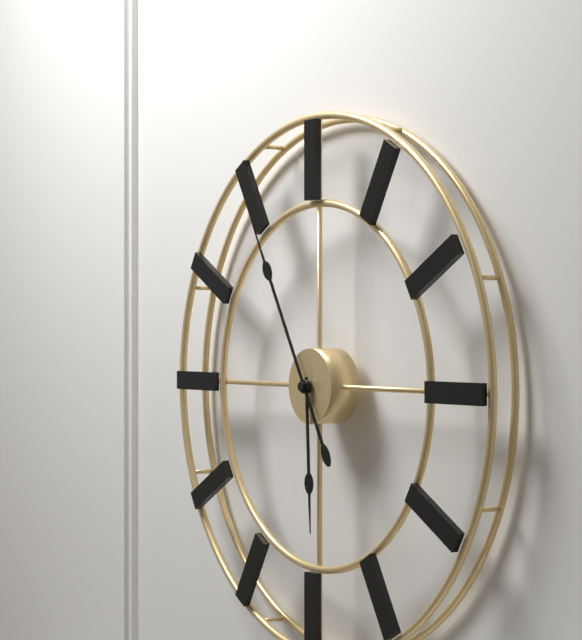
5:55
